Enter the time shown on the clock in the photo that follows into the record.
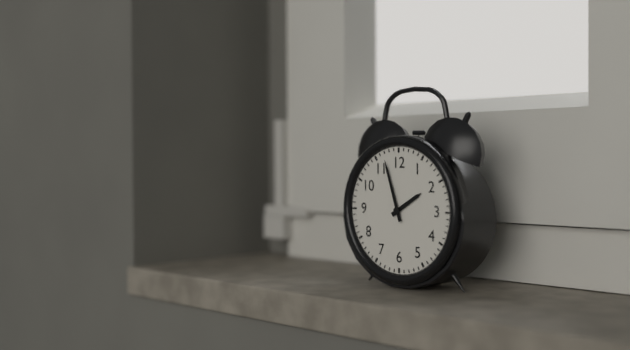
1:57
